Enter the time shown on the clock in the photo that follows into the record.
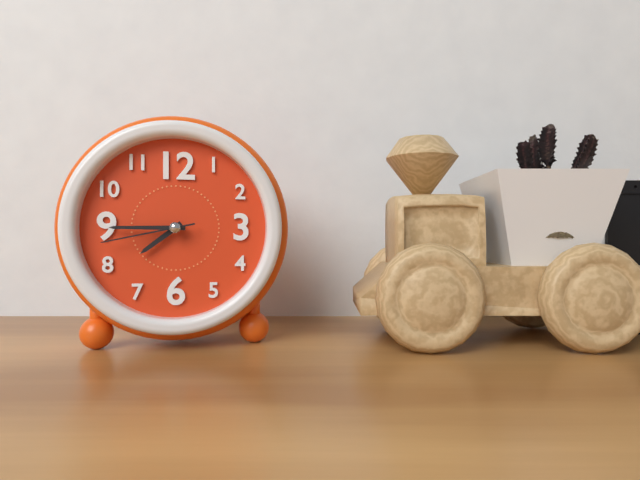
7:45:43
